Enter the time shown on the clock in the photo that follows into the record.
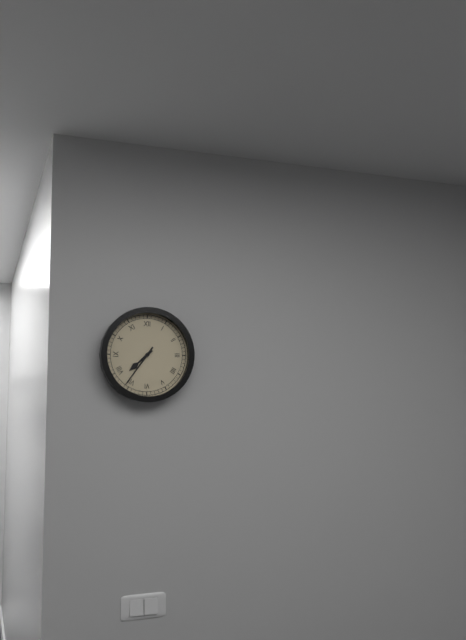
7:36
